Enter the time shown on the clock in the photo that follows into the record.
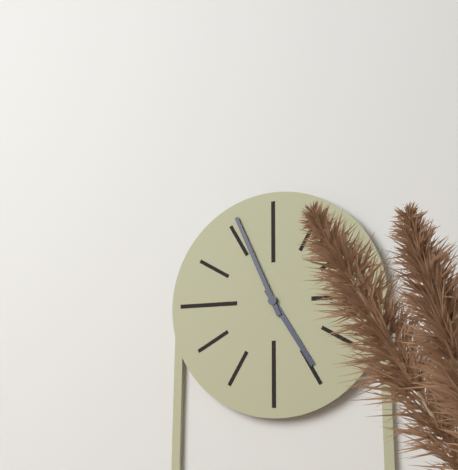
4:56
